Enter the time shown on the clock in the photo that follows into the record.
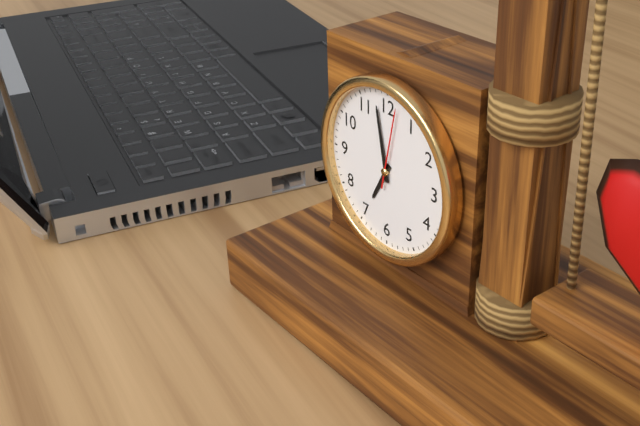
6:58:02
